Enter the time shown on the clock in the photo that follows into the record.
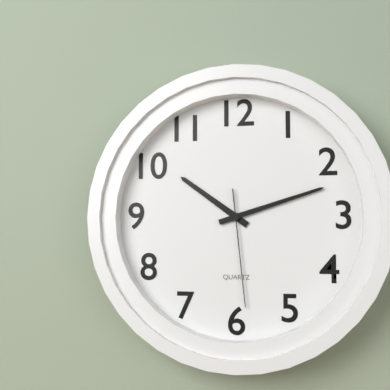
10:12:29
